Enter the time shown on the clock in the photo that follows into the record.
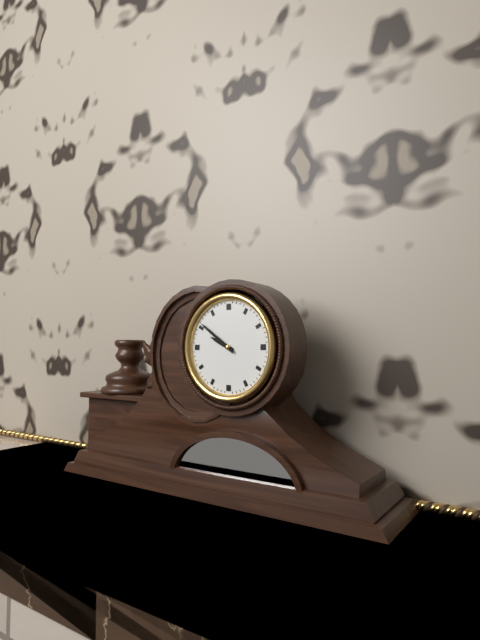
9:51
